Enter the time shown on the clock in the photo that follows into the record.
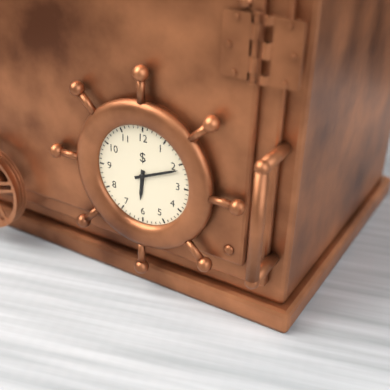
6:11
